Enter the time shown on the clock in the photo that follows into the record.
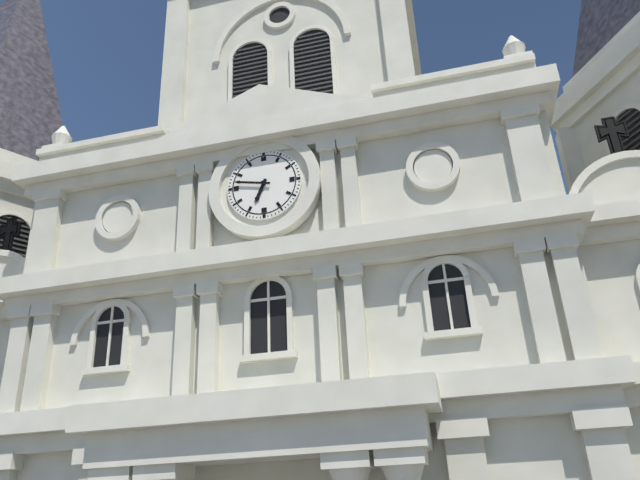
6:47
